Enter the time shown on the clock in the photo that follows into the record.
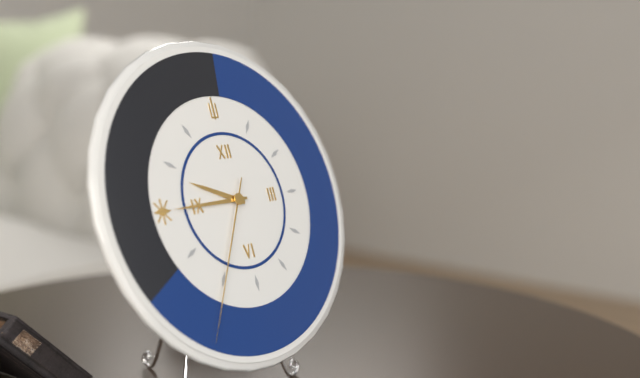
9:45:35
